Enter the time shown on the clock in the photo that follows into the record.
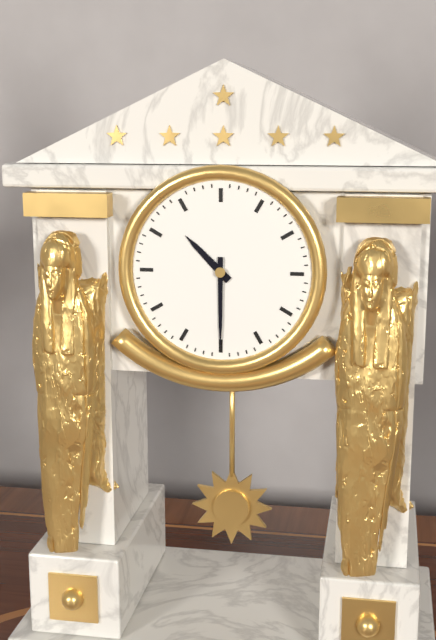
10:30
